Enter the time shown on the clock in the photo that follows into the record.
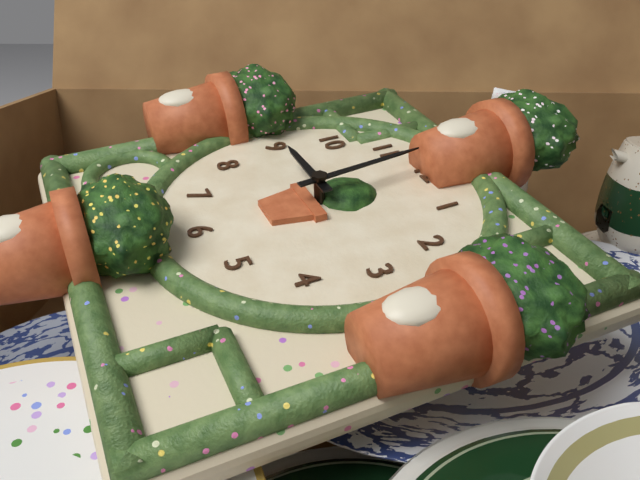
8:59
